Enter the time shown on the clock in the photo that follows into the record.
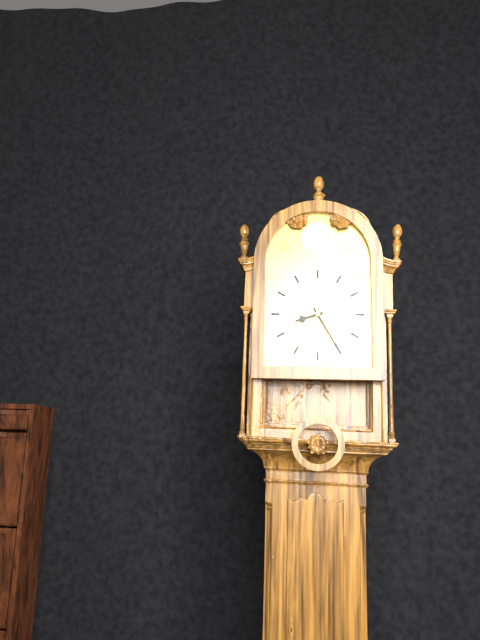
8:25
